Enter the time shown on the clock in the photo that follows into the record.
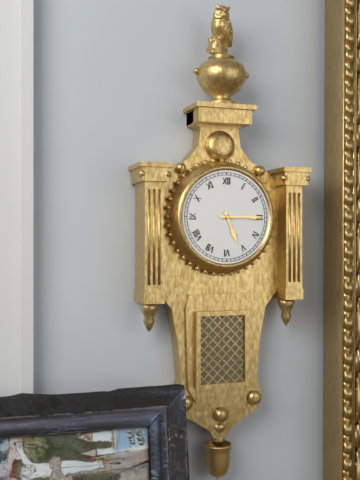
5:15
